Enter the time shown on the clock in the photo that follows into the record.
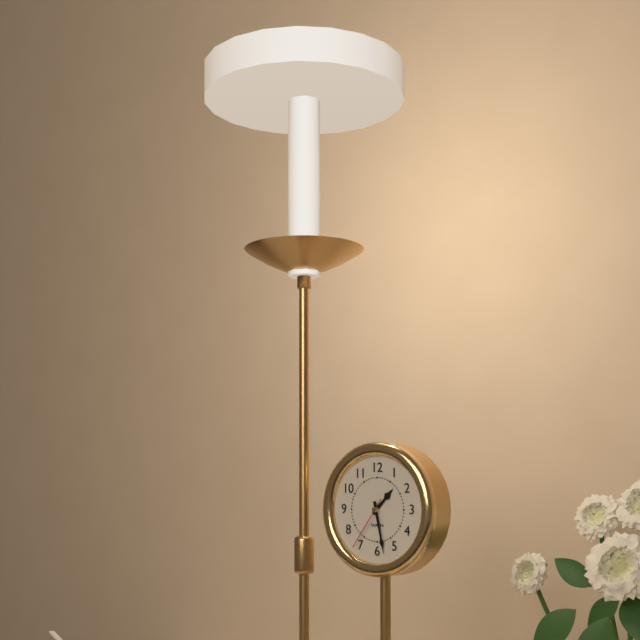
1:28:36
